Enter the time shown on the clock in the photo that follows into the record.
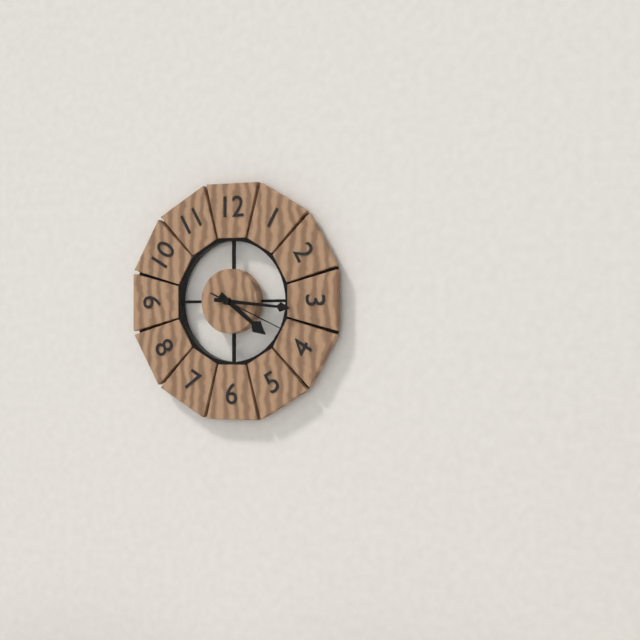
4:16:19
